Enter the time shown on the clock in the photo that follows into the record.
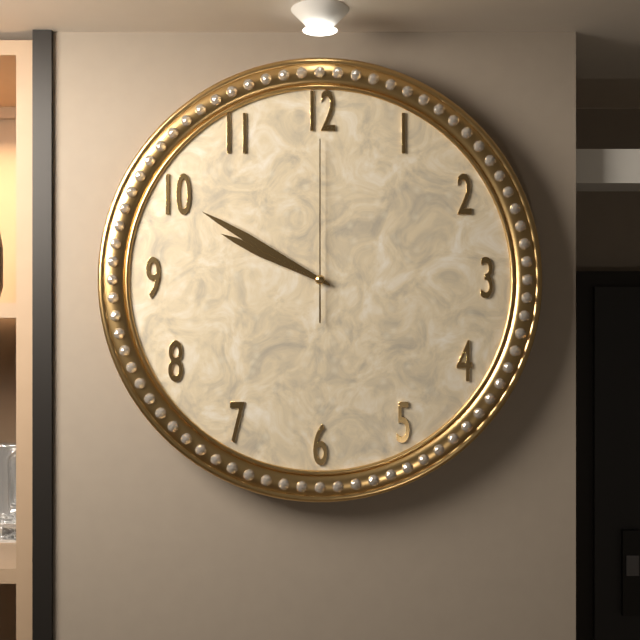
9:50:00
